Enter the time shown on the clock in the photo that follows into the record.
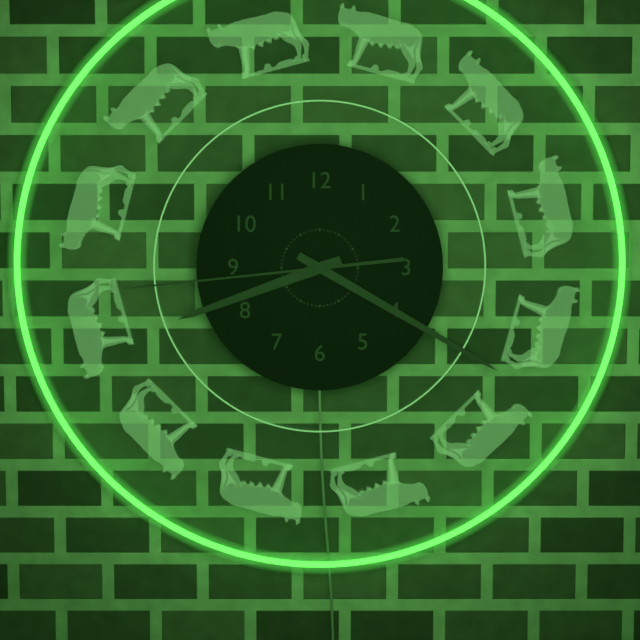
8:20:44
